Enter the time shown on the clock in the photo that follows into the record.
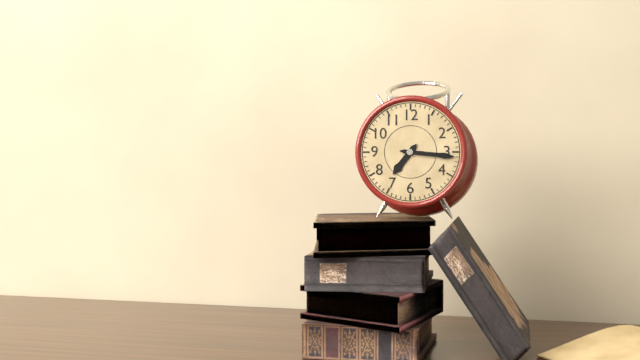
7:16
